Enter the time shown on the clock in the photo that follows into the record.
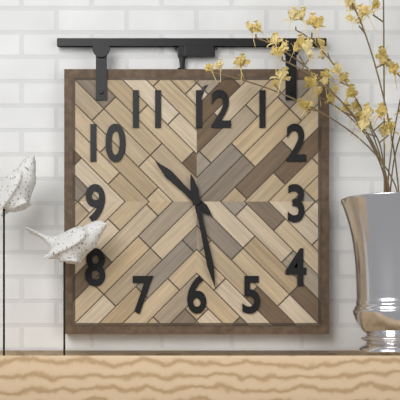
10:28
